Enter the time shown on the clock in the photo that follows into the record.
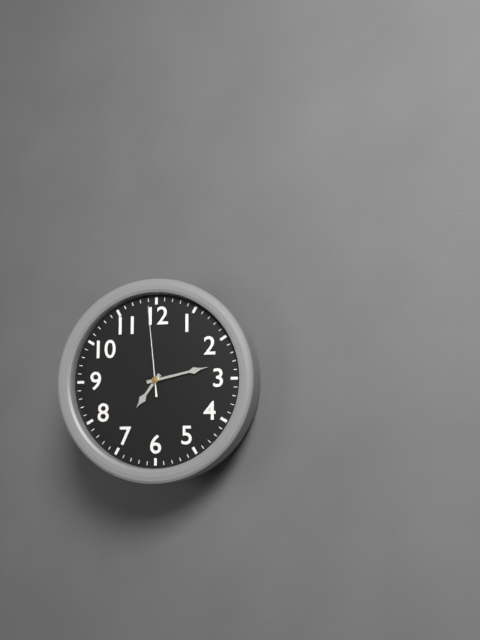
7:13:59
